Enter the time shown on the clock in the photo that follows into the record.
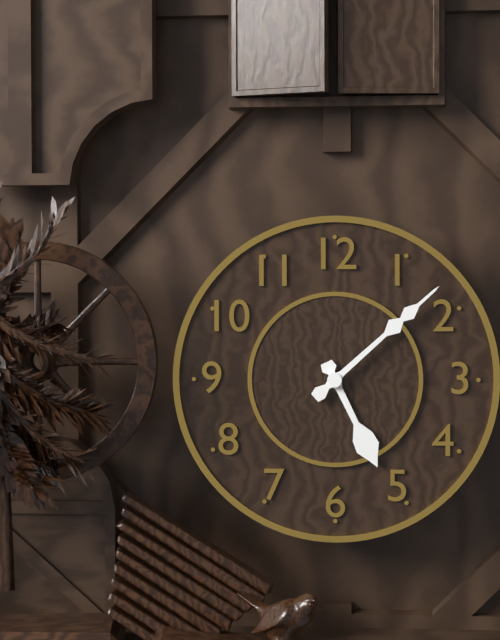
5:08
